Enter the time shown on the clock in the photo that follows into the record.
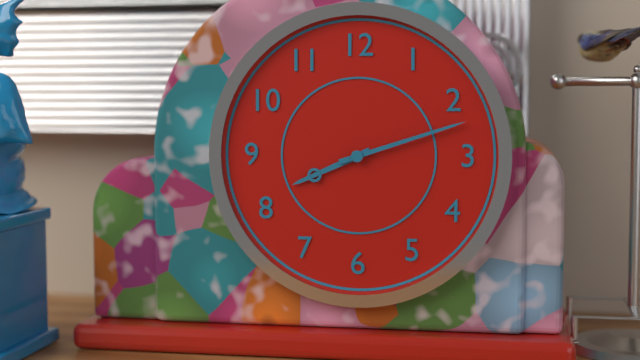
8:12
